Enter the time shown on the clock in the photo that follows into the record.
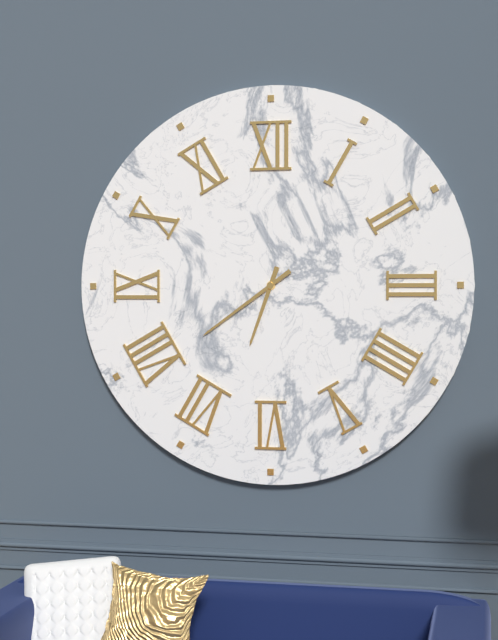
6:39
